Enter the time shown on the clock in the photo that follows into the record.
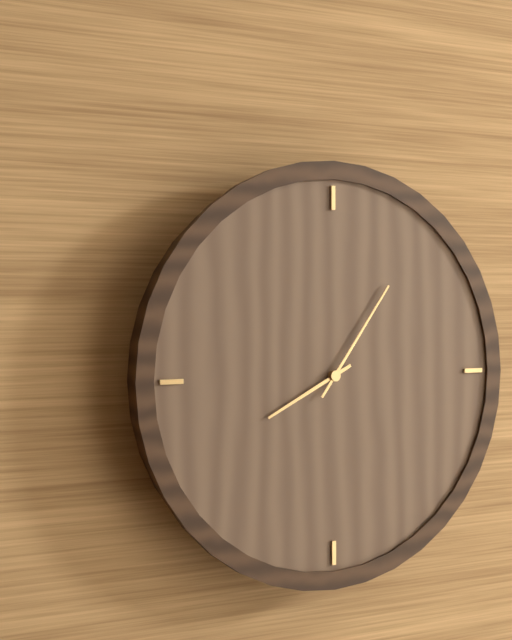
8:06
